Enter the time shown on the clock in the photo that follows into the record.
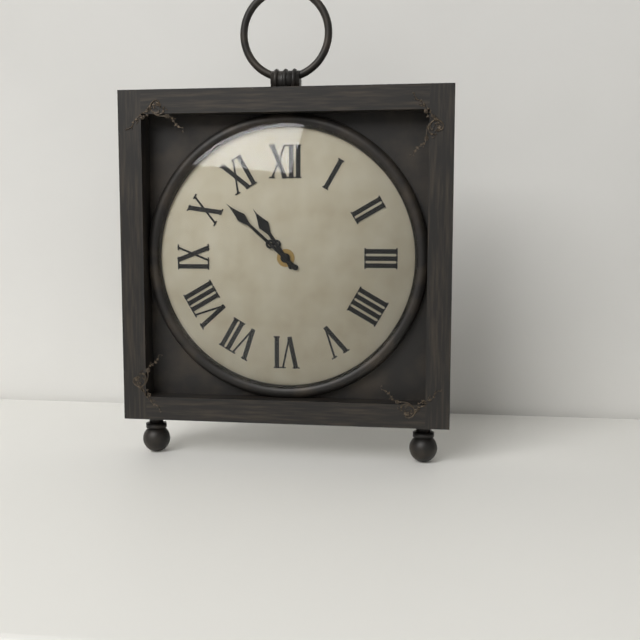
10:52
